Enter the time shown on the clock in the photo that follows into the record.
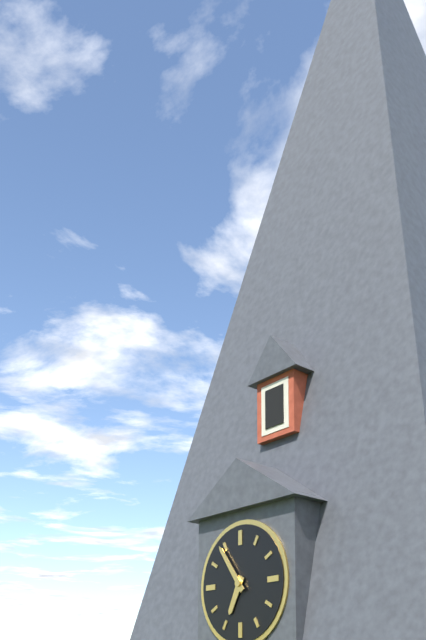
6:54
